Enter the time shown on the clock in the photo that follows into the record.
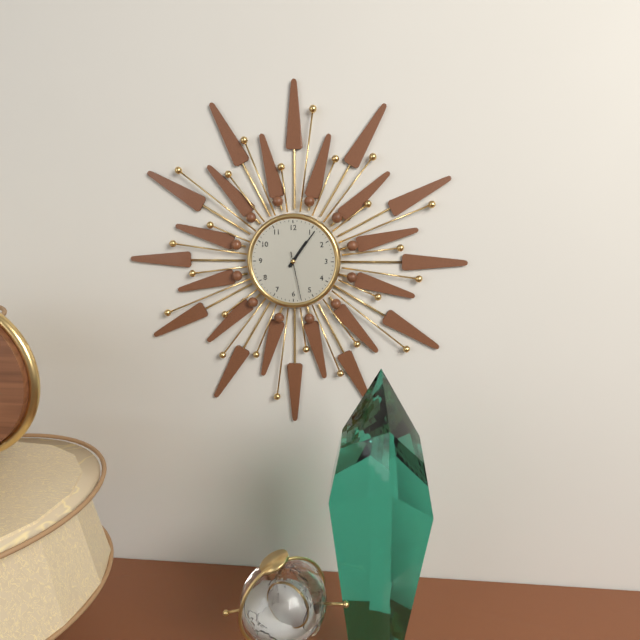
1:06
